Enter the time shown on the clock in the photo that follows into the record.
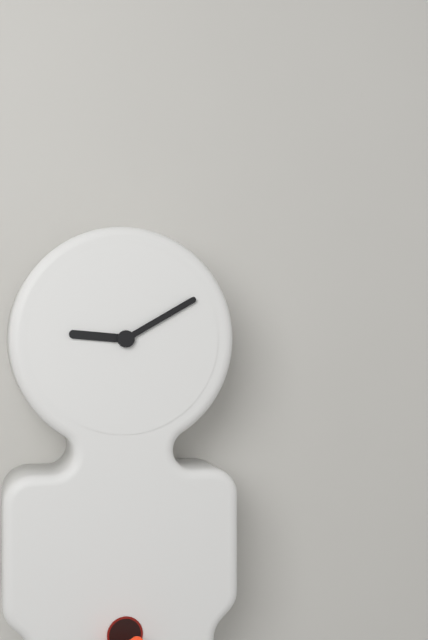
9:10
